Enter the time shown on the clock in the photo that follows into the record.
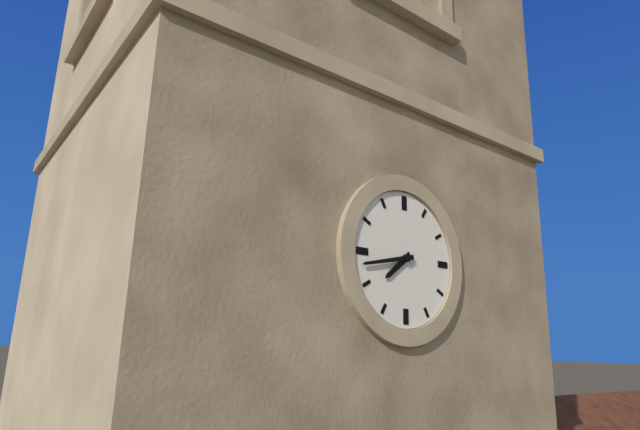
7:43
